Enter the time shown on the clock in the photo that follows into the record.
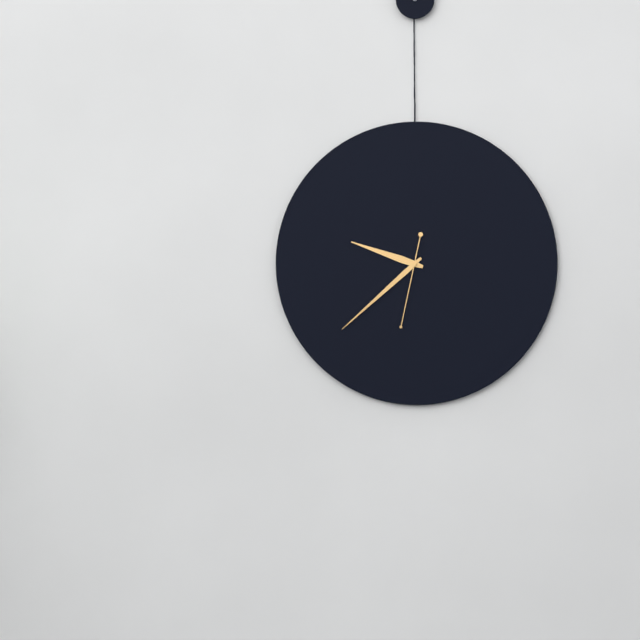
9:38:32
